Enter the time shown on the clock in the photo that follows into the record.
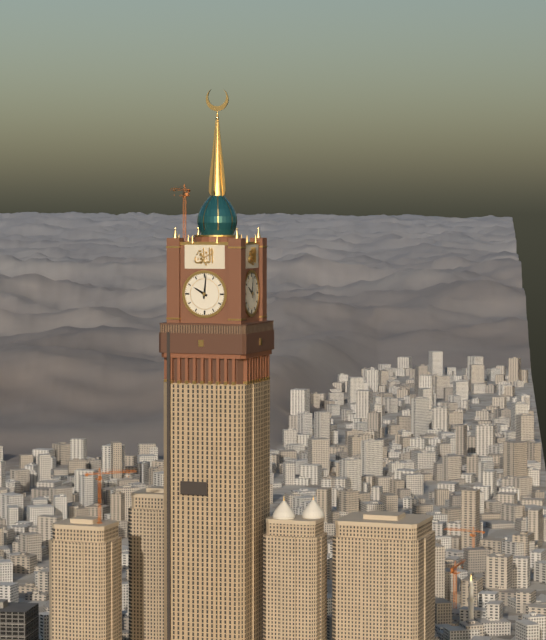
10:01
